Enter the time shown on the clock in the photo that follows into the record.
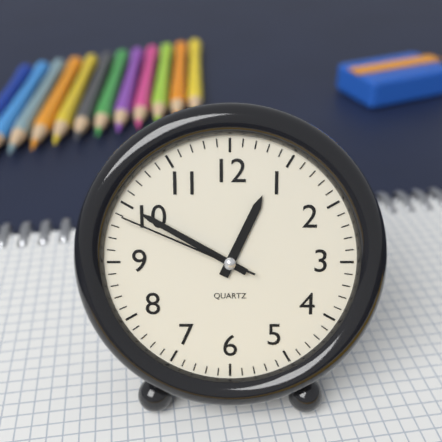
12:50:49
